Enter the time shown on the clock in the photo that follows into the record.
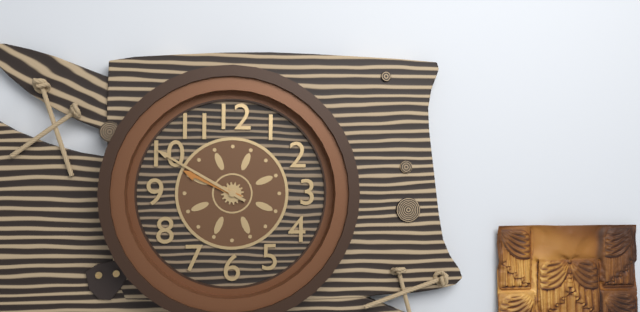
9:50
